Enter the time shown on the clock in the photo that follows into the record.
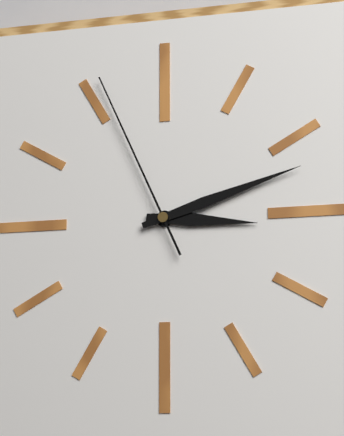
3:12:56
